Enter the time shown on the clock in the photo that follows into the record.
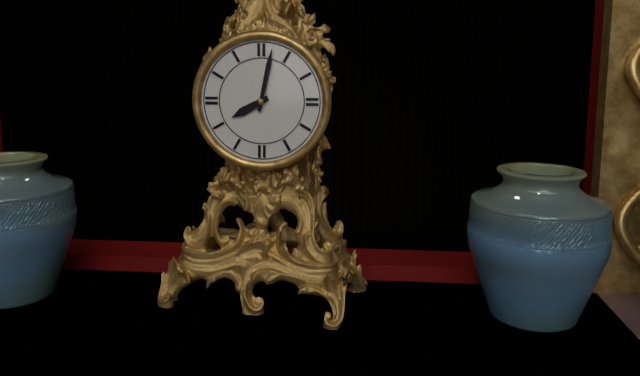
8:02
